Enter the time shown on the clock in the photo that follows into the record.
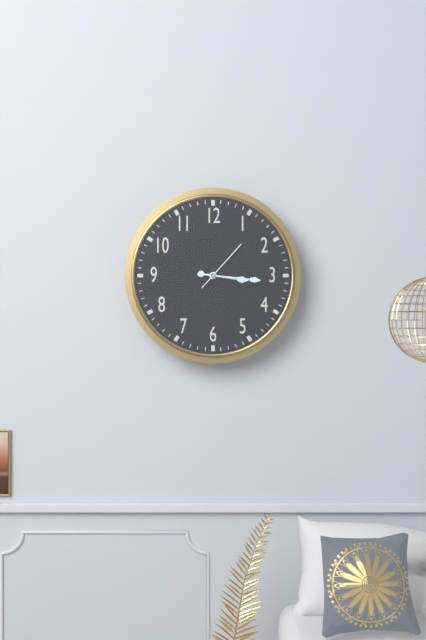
3:16:07
